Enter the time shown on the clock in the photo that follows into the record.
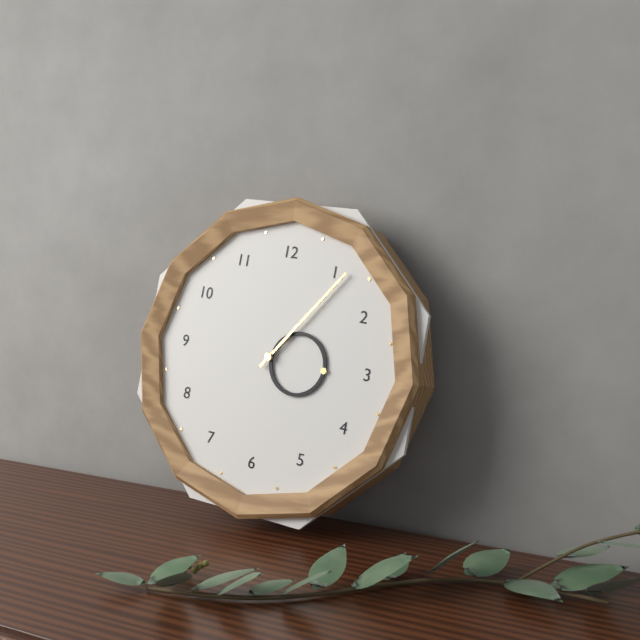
3:06
